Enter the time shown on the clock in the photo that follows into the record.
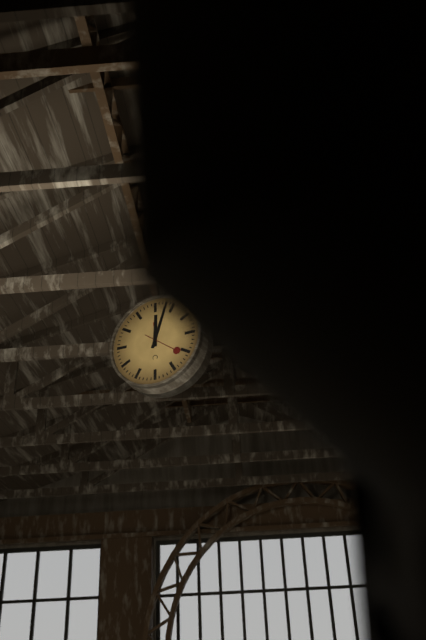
12:03
